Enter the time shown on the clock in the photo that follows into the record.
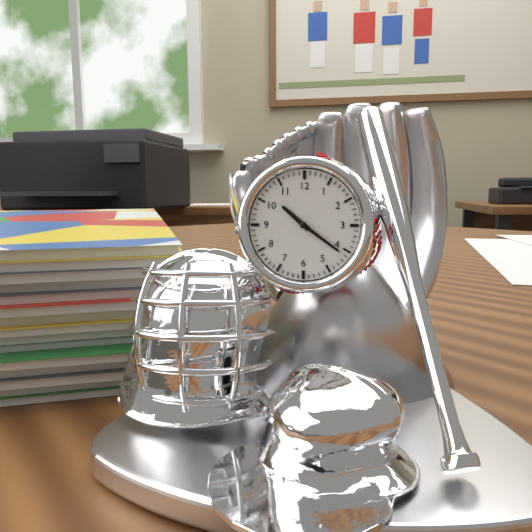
10:21
